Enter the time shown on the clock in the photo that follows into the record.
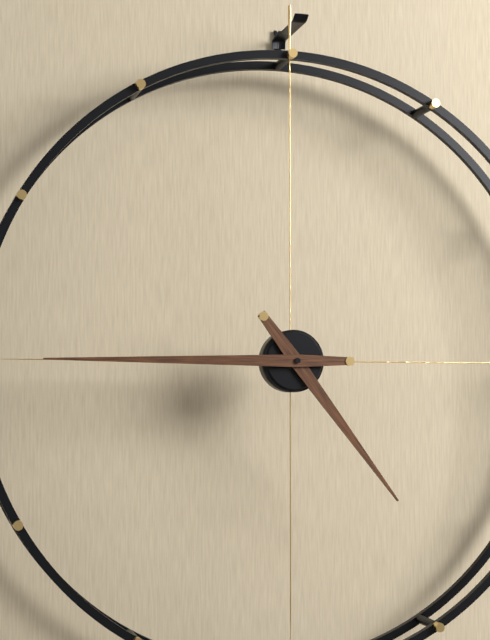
4:45
